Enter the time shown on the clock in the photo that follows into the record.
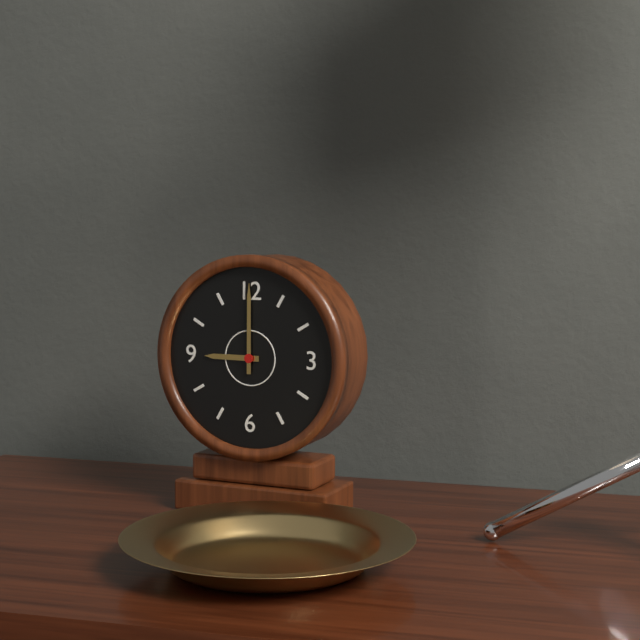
9:00
